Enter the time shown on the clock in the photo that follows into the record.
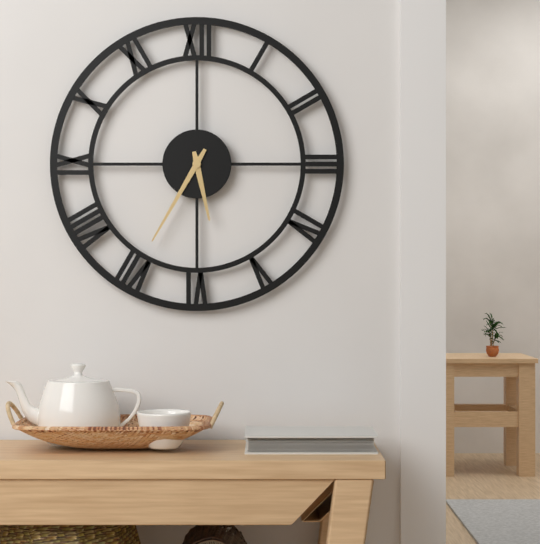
5:35
